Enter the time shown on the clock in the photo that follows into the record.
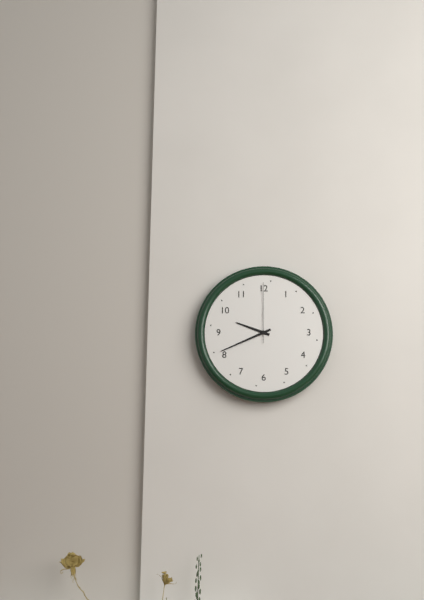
9:41:00
